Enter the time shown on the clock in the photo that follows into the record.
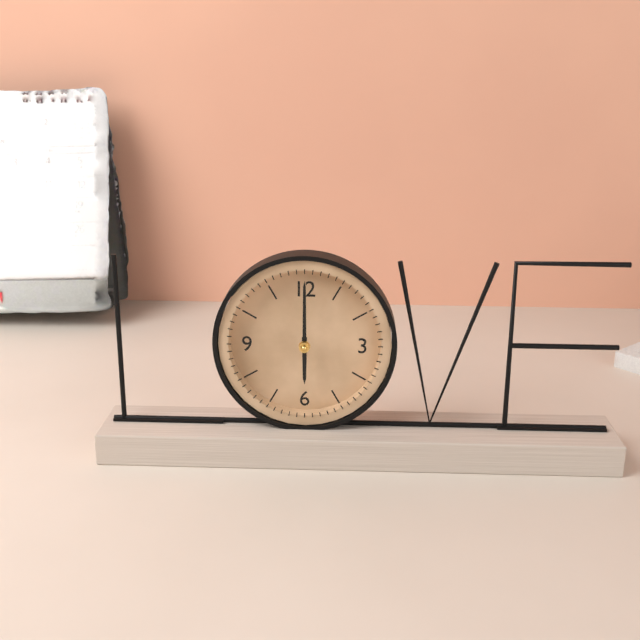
6:00
